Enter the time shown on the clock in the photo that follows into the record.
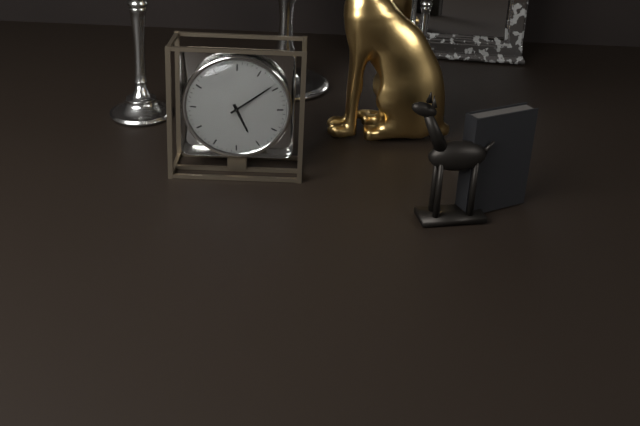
5:09
